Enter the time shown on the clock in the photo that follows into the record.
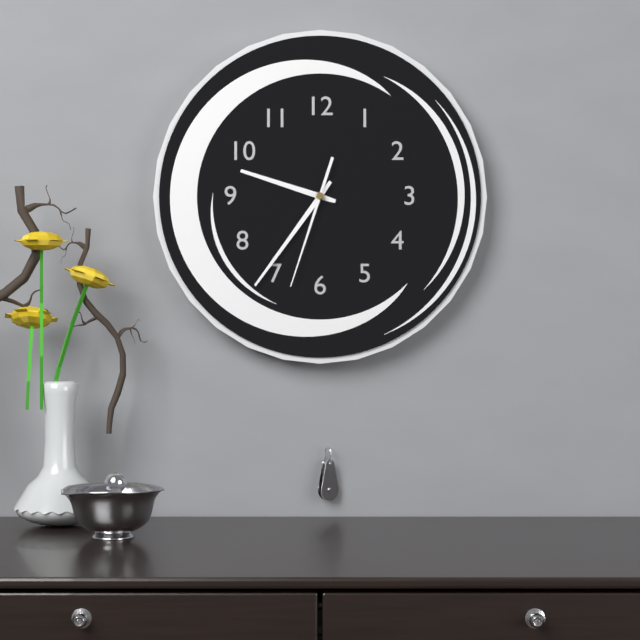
9:36:33
